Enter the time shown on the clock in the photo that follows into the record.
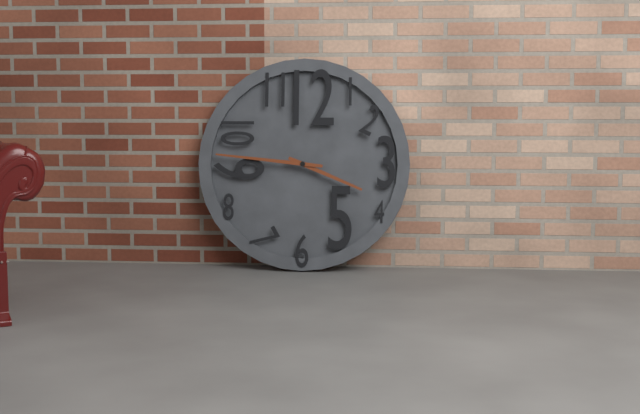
3:46
